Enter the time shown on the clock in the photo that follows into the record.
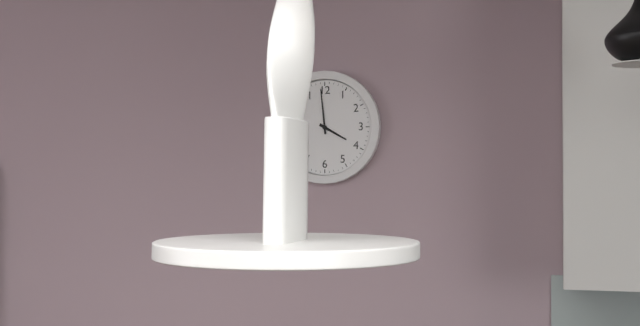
3:59
